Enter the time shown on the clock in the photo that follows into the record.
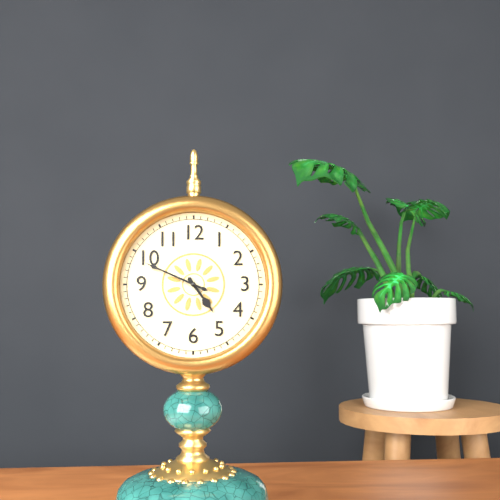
4:49
